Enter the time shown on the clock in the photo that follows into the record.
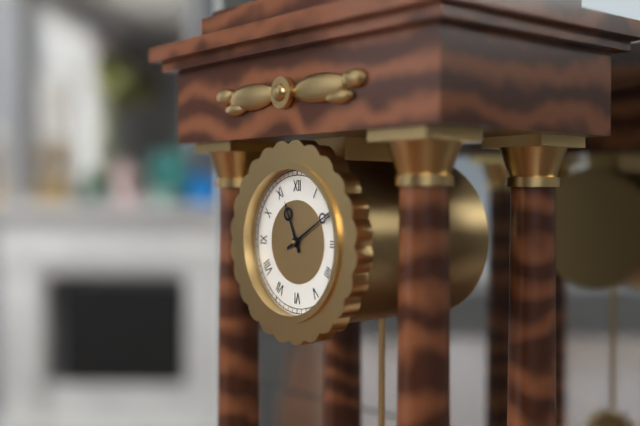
11:10
